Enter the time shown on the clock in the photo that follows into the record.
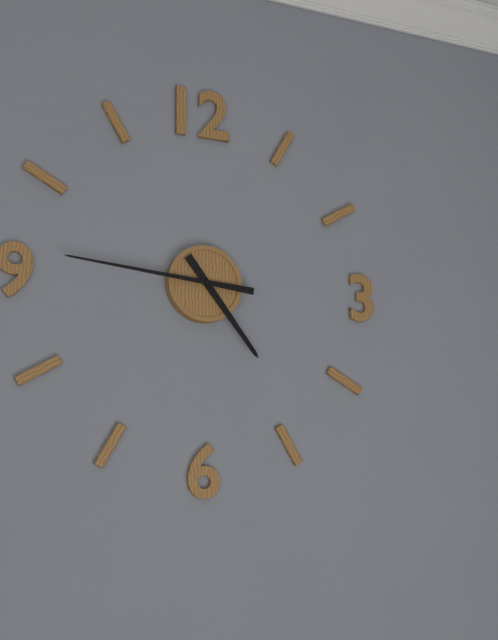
4:46
